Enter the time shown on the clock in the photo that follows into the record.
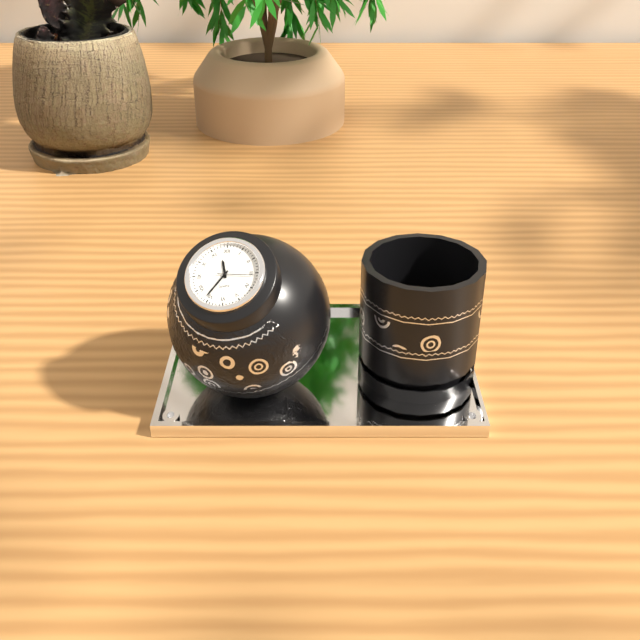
11:36:16
